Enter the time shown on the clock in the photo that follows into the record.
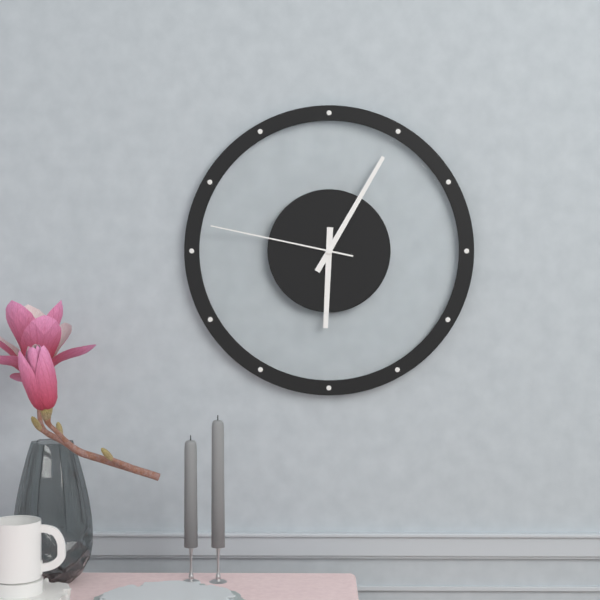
6:05:47
